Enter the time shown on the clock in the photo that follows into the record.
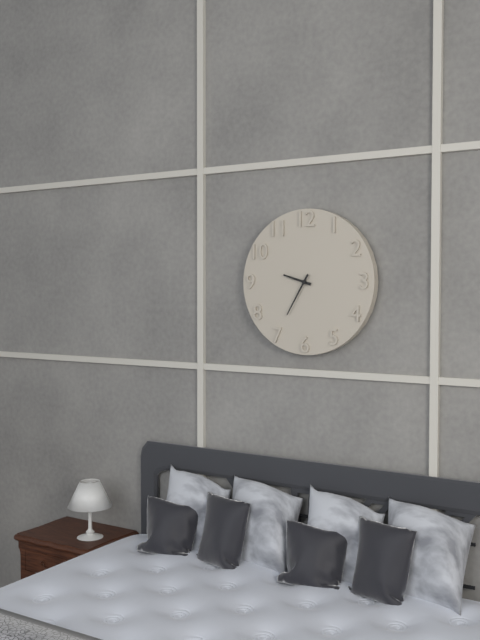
9:35
